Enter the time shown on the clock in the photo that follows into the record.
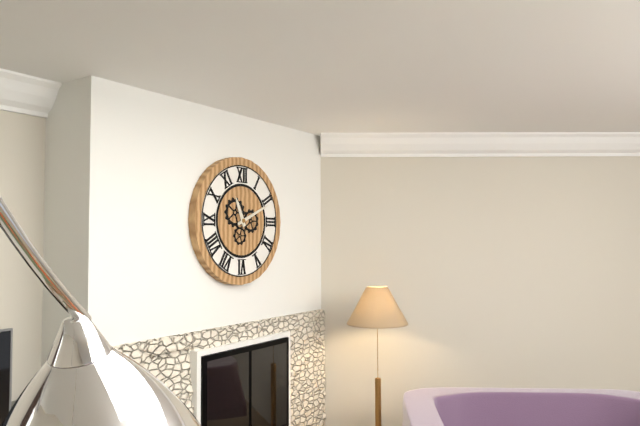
11:11
